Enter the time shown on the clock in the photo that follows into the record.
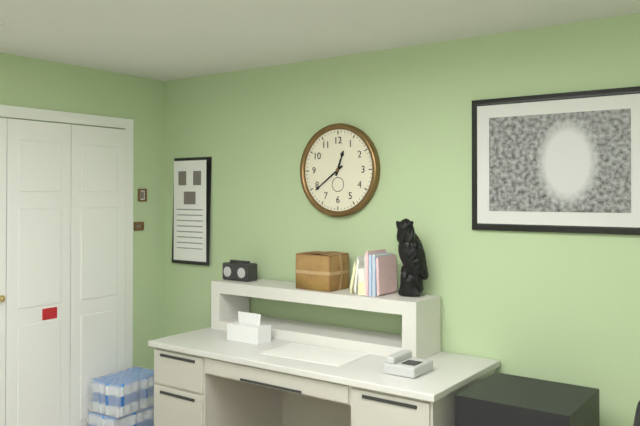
12:39
